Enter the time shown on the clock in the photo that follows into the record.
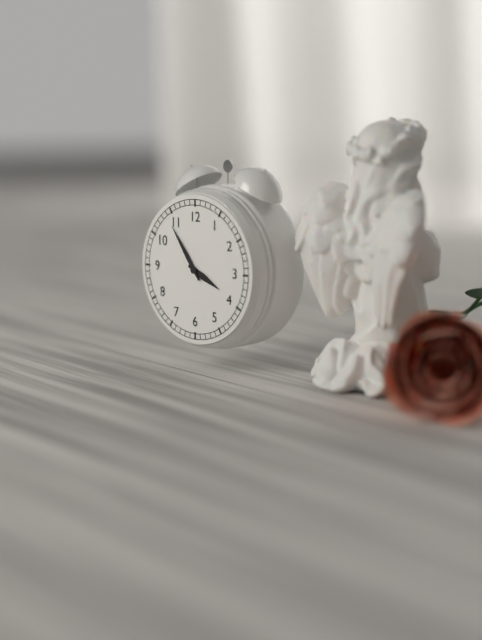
3:54
